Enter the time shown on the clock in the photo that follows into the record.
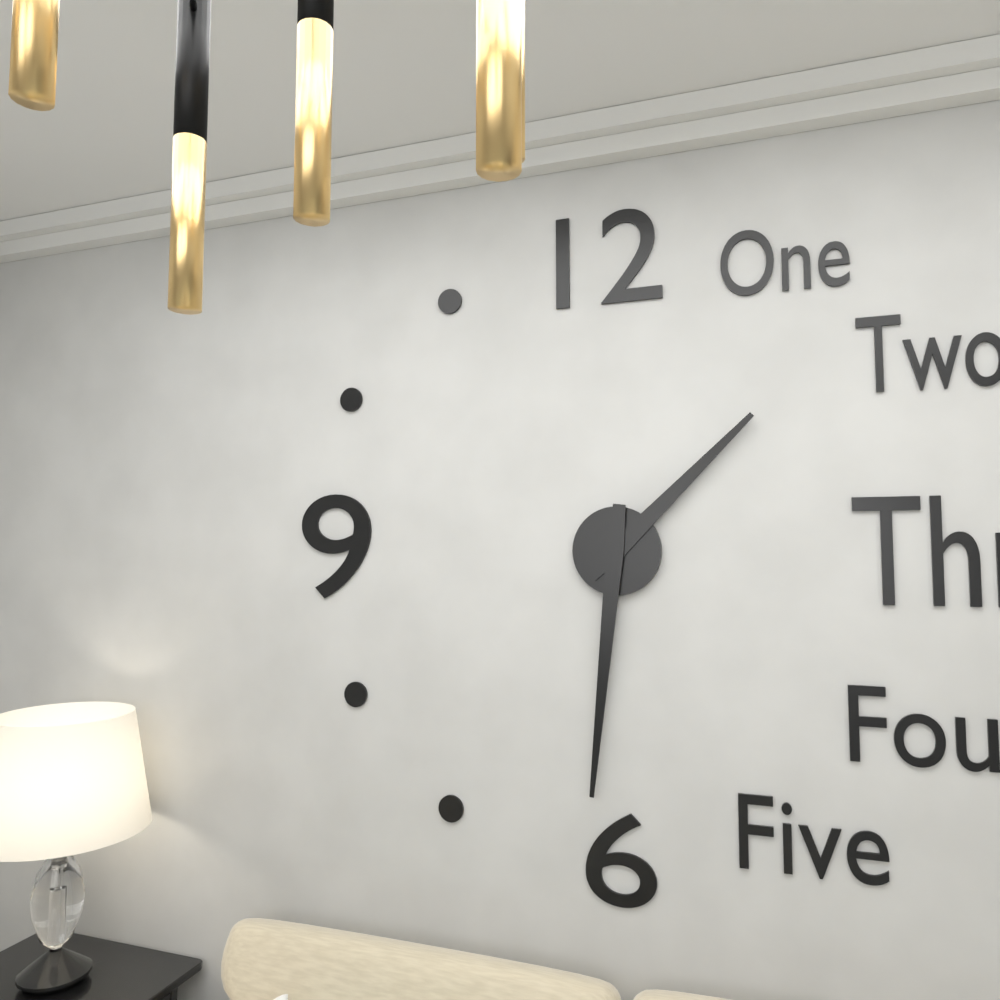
1:31
